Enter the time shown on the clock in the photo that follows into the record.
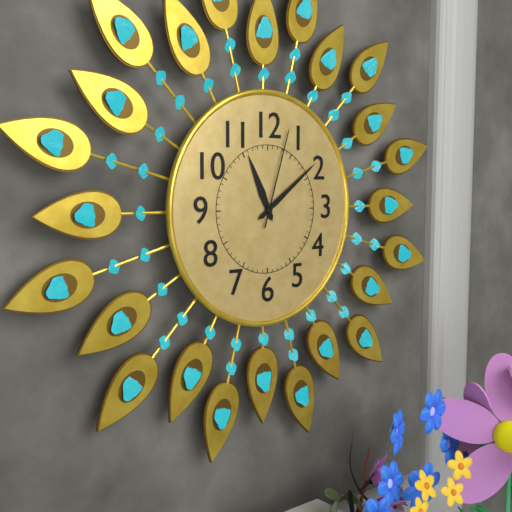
11:09:03
